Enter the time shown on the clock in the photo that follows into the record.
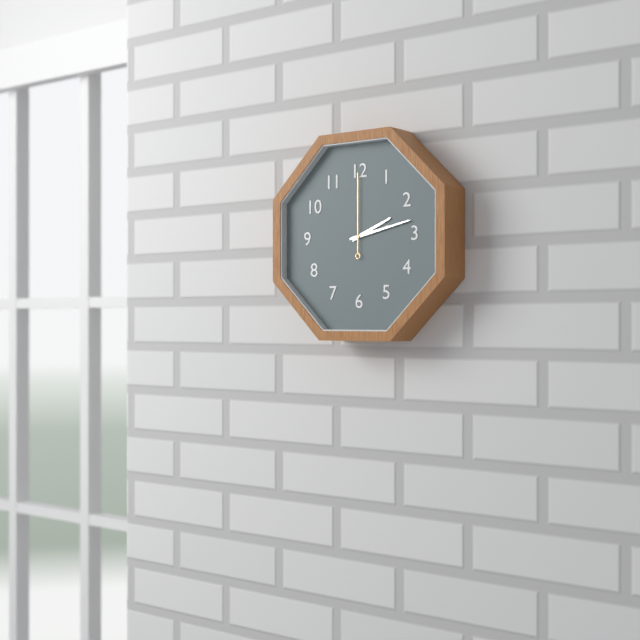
2:13:00
